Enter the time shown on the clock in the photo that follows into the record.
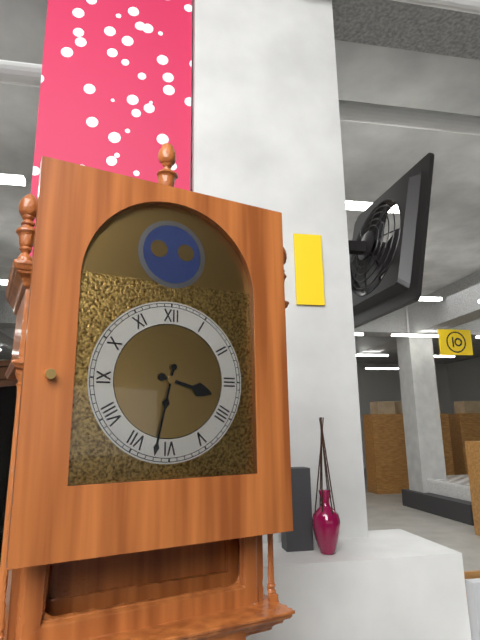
3:32
